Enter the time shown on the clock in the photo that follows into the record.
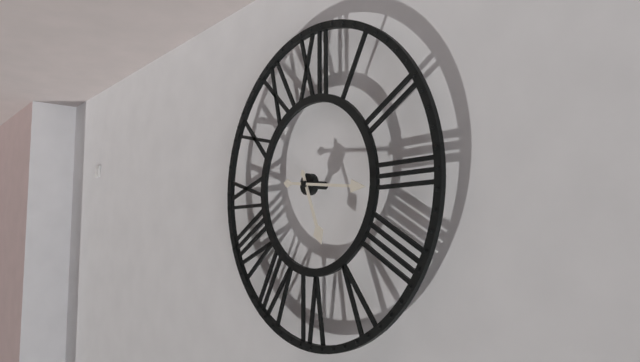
5:16
